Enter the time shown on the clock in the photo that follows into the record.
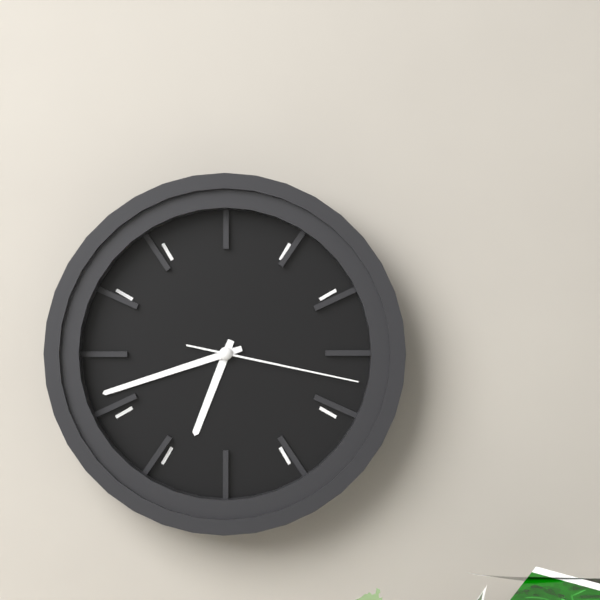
6:42:17
